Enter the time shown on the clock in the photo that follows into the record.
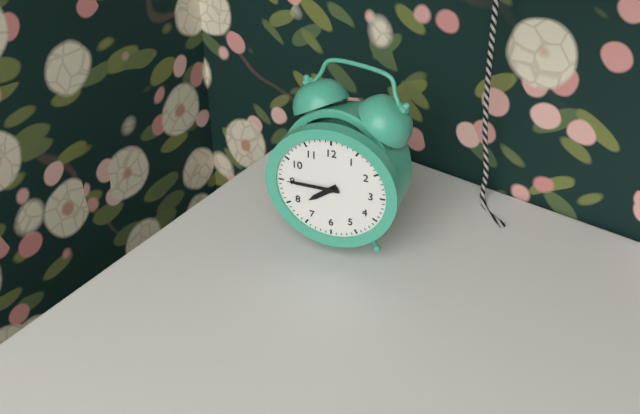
7:45
